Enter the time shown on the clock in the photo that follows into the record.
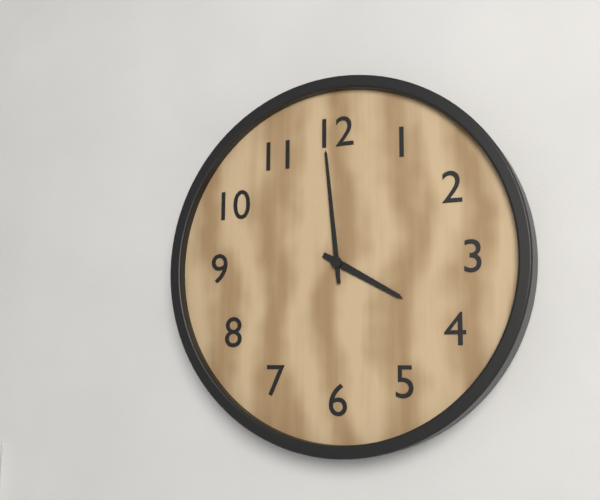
3:59
